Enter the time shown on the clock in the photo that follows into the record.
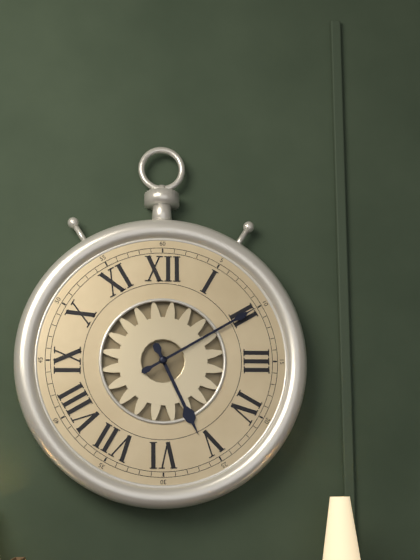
5:10
